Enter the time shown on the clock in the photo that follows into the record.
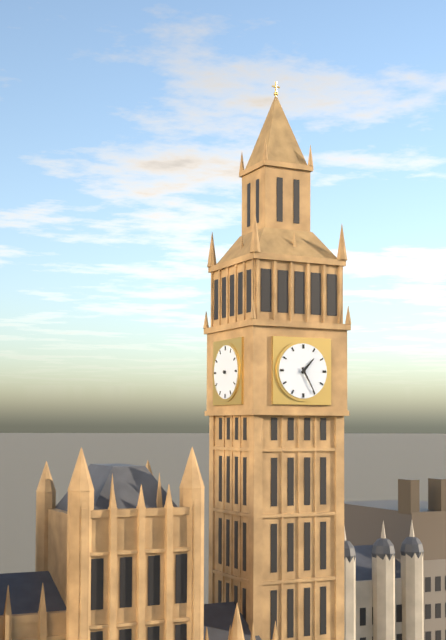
1:25
